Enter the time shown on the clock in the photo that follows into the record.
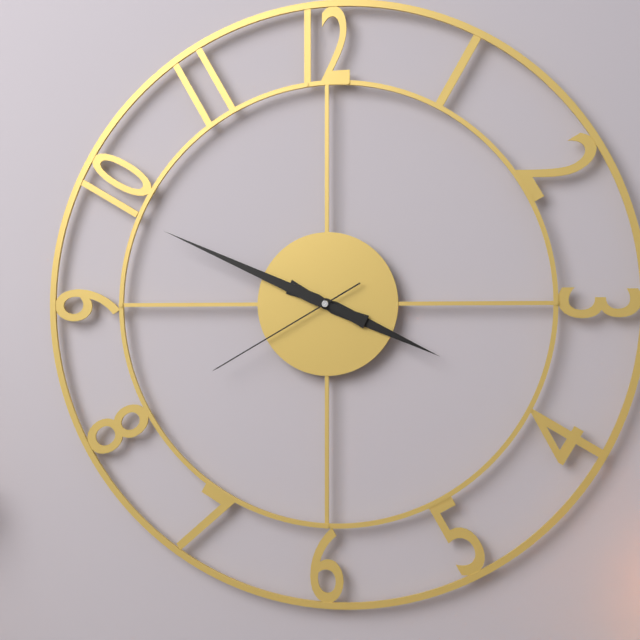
3:49:40
